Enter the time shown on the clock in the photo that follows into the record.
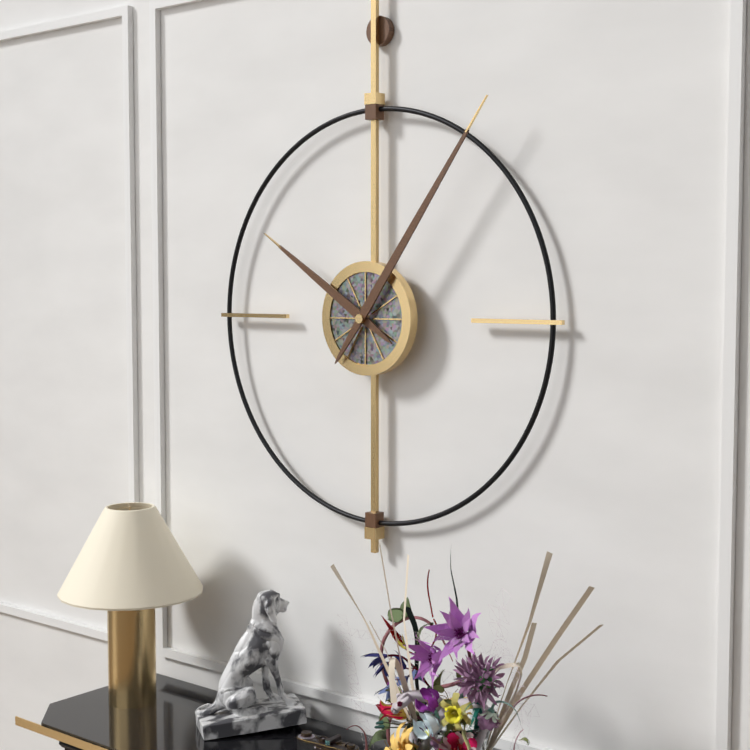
10:06
